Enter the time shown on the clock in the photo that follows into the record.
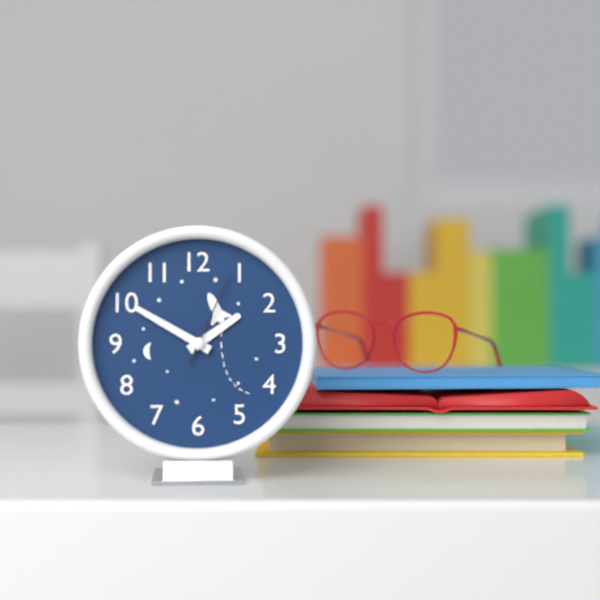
1:50:04
